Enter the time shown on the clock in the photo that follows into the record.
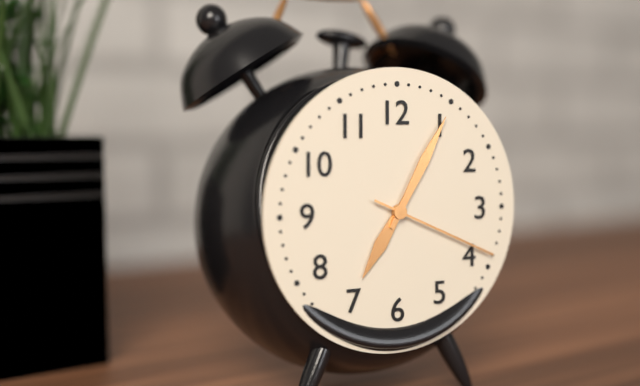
7:05:19
